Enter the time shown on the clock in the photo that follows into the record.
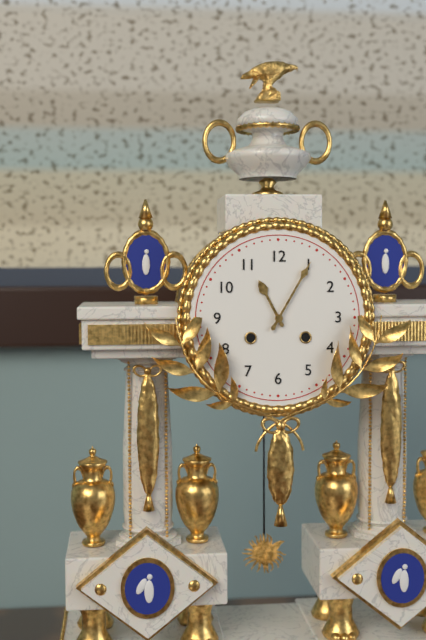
11:05
